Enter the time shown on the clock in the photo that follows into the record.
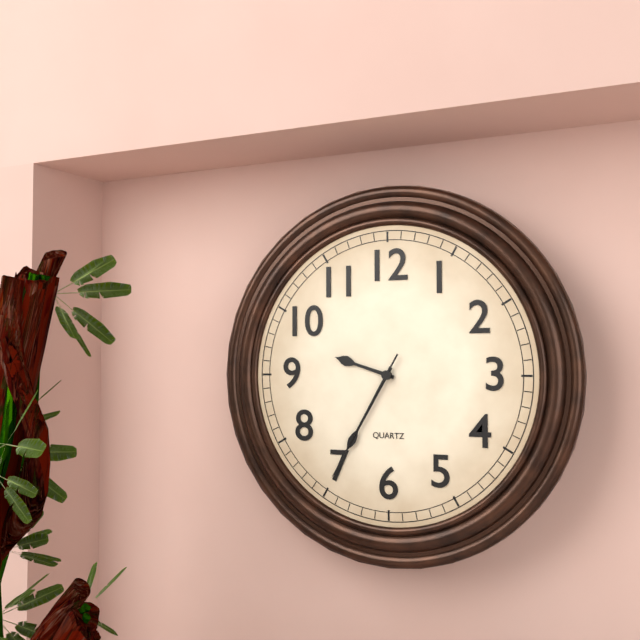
9:35:35
